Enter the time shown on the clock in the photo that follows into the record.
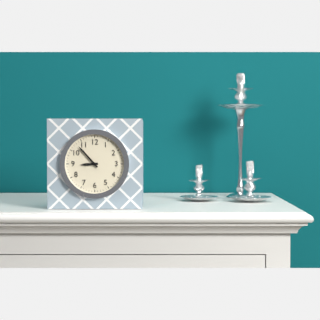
8:53
